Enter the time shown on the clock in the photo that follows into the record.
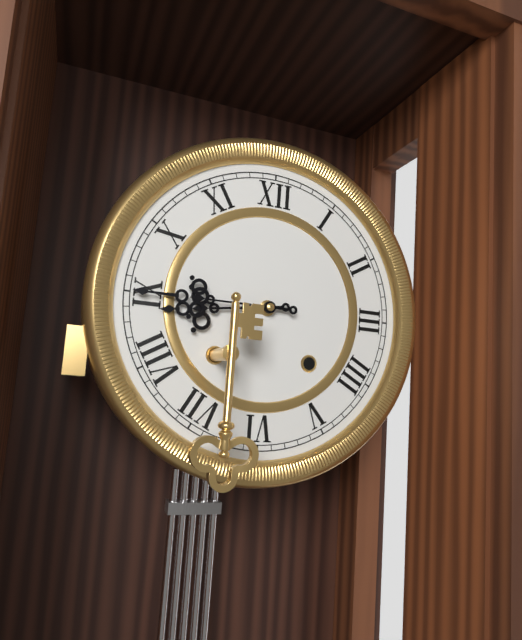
8:45
